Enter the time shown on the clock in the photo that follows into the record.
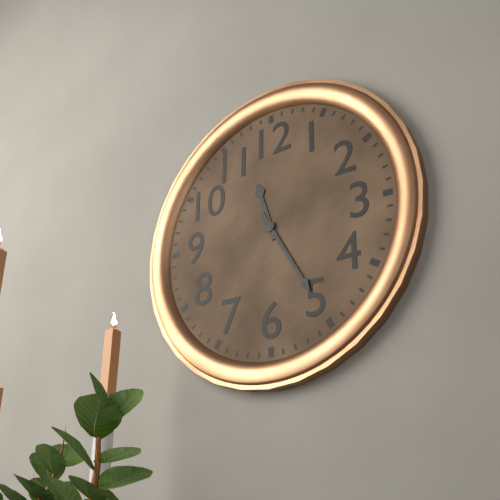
11:25
